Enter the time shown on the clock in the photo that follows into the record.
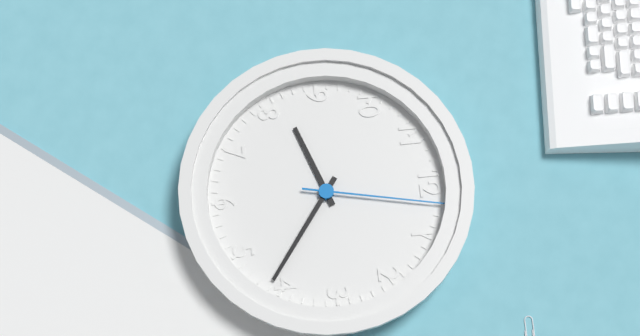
8:21:02
